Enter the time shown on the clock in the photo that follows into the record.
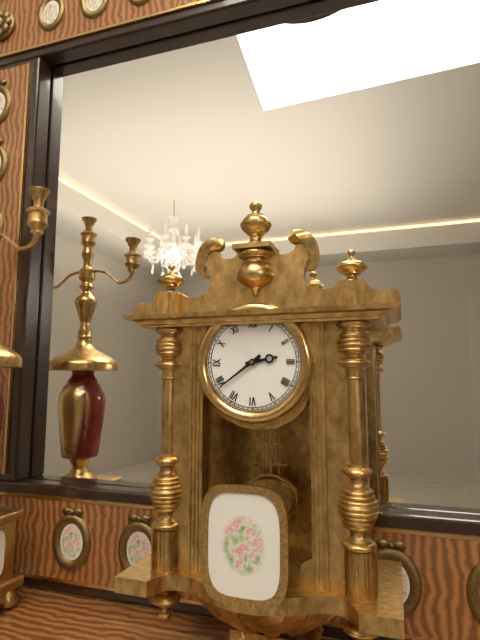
2:39
